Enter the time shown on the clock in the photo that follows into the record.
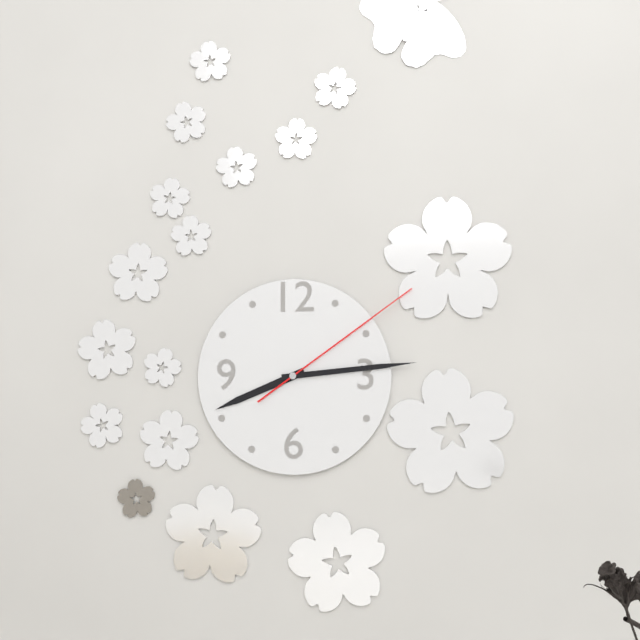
8:14:09
